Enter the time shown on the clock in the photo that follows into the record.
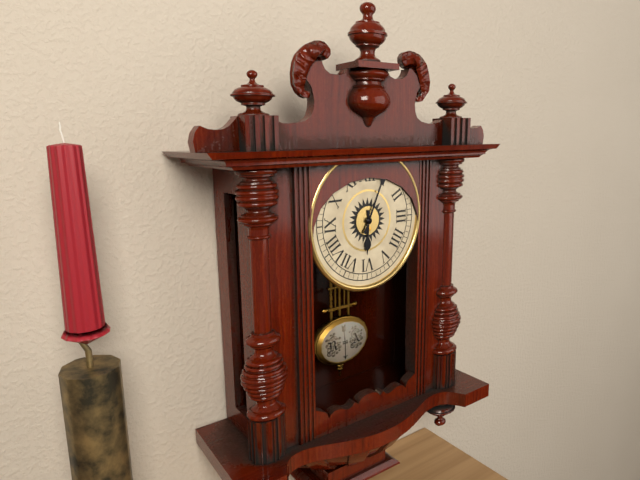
6:04
